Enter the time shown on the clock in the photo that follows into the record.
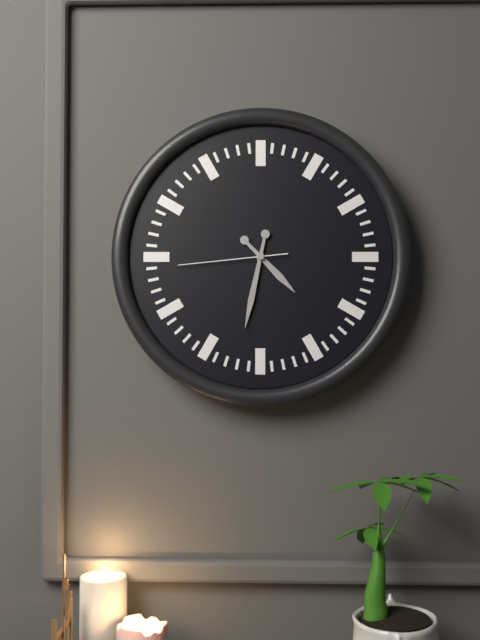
4:32:44
